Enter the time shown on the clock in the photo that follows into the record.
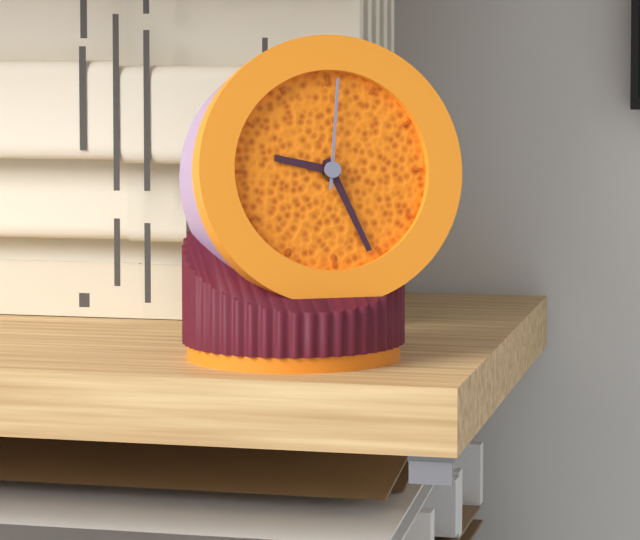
9:26:01
